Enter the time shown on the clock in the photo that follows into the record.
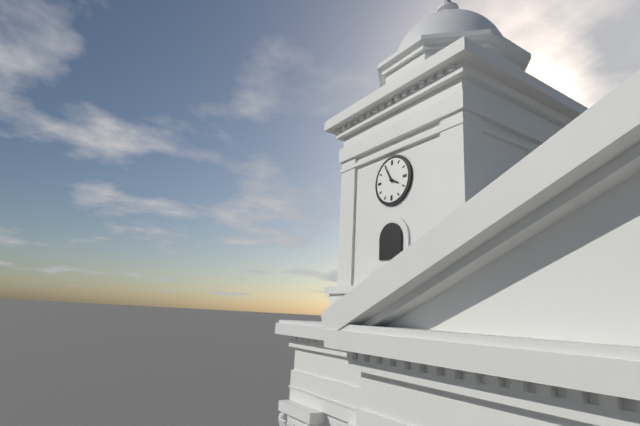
3:55
